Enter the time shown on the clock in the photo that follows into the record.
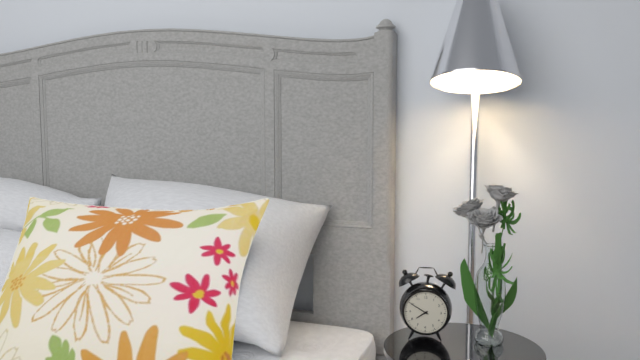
7:50
